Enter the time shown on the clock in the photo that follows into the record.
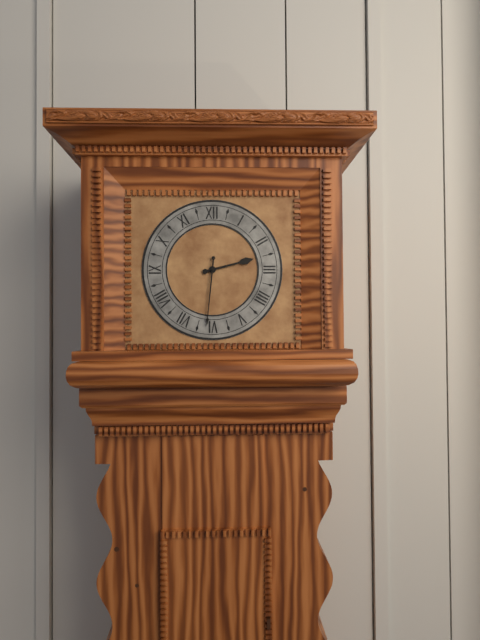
2:31
